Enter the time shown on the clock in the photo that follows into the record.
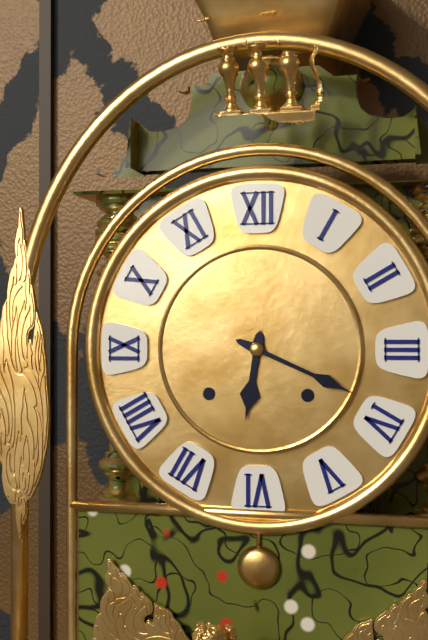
6:19
